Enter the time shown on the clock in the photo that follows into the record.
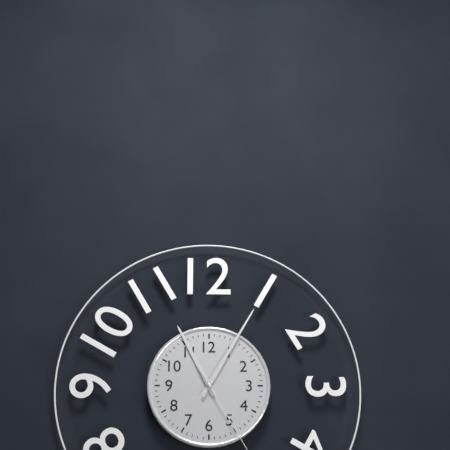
11:05
